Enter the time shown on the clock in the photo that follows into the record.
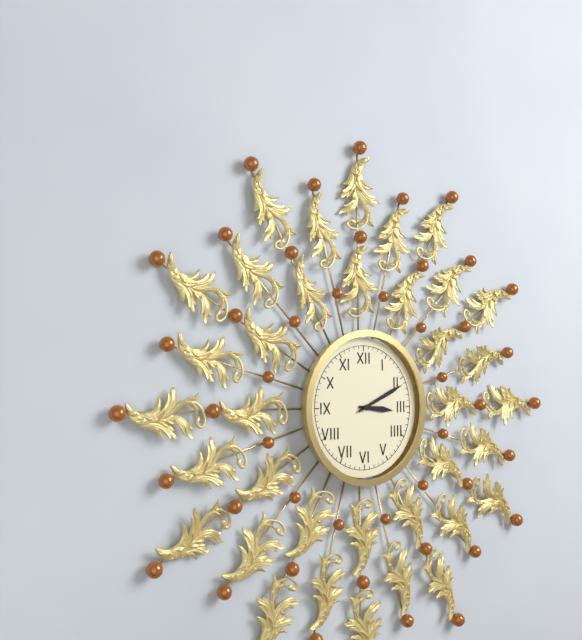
3:11
